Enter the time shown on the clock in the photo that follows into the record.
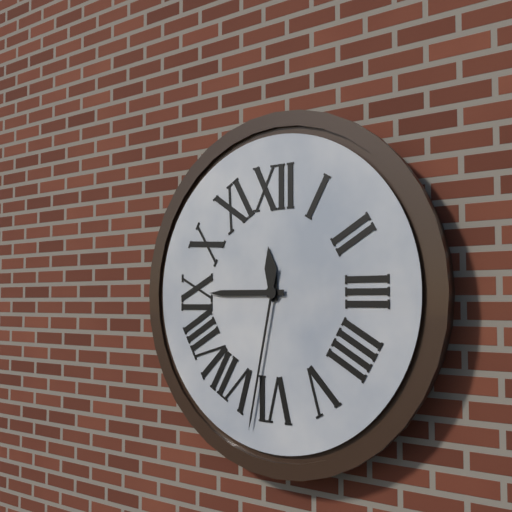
11:45:32
